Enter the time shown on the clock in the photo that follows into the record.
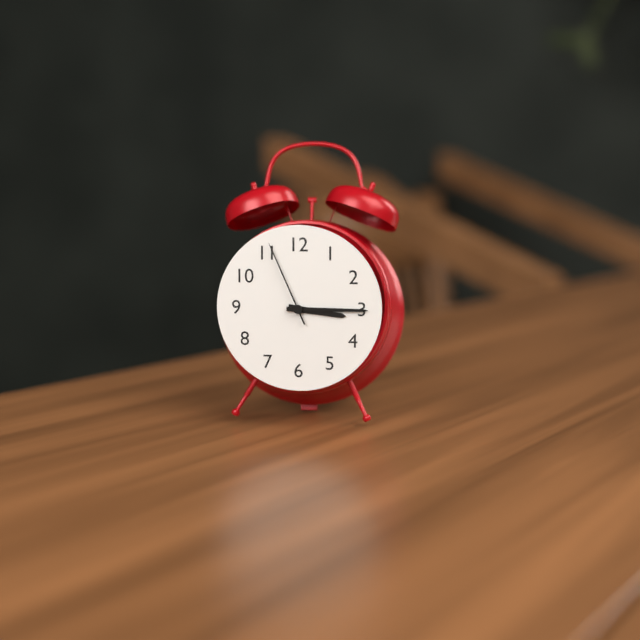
3:15:56
